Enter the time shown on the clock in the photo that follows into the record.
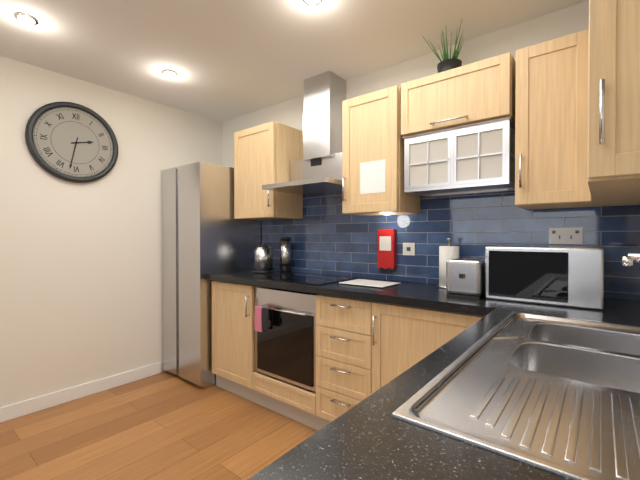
2:32
